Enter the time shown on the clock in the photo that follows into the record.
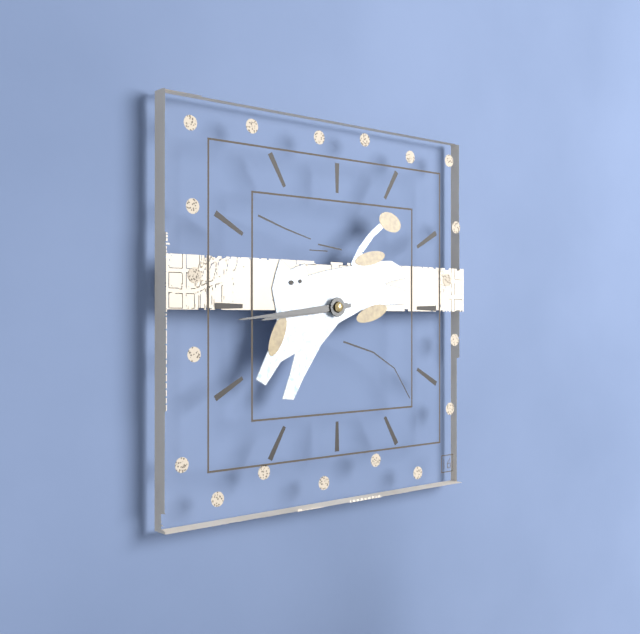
8:44
